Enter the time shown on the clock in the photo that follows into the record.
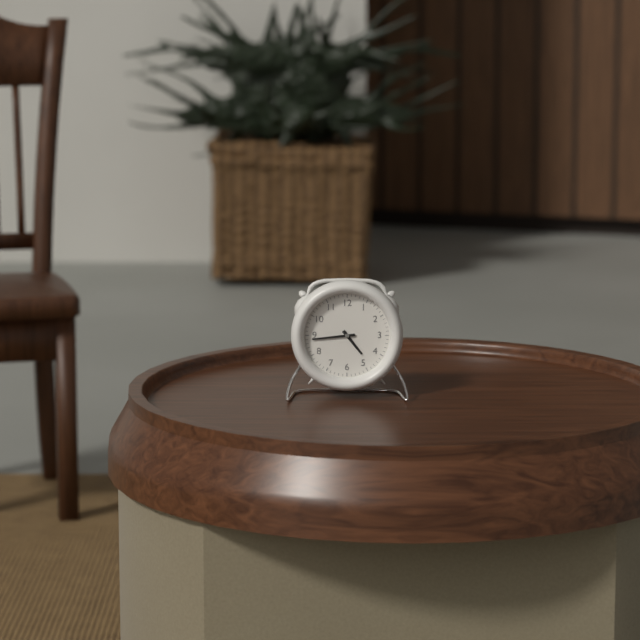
4:44
